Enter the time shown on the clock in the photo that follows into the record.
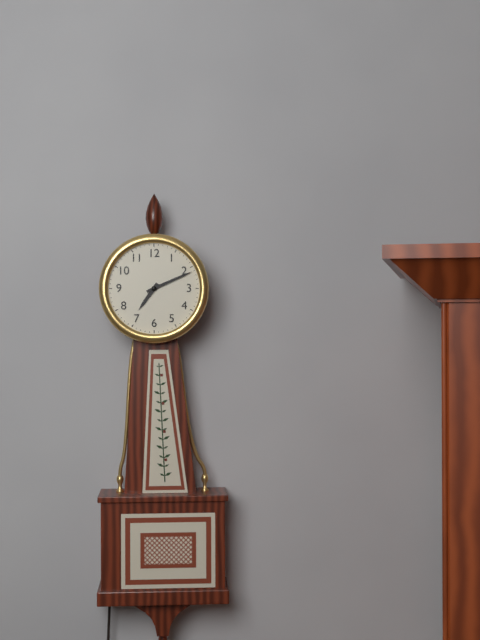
7:11
